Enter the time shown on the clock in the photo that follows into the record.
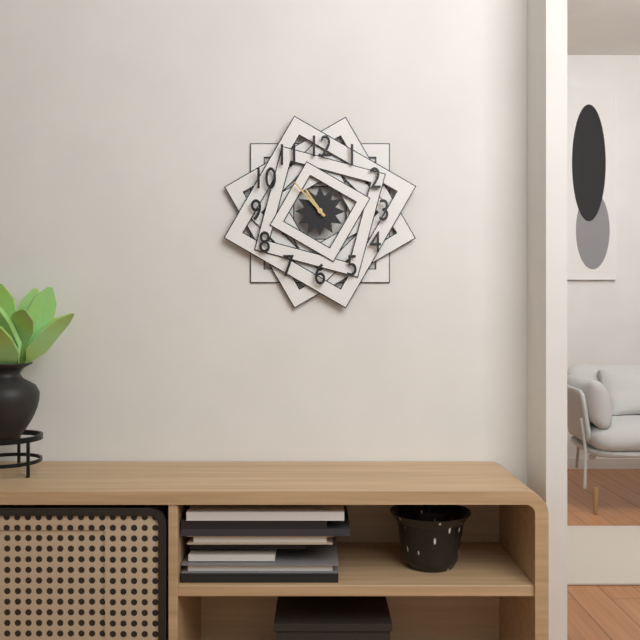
10:53
